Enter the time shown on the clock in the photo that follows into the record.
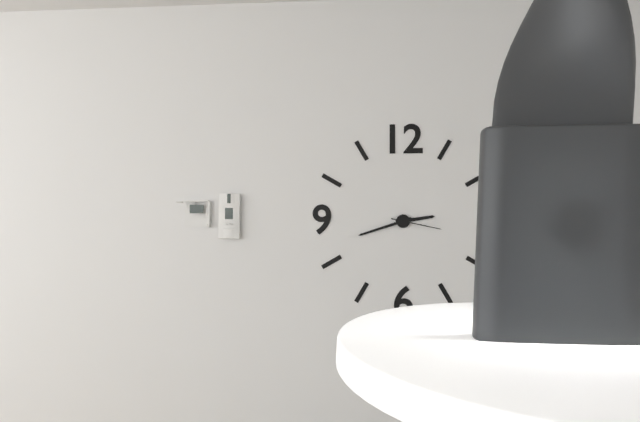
2:42
